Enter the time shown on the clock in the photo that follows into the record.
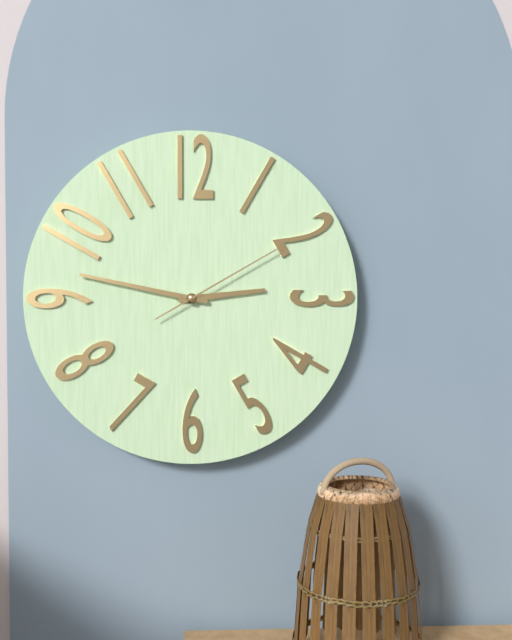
2:47:10
